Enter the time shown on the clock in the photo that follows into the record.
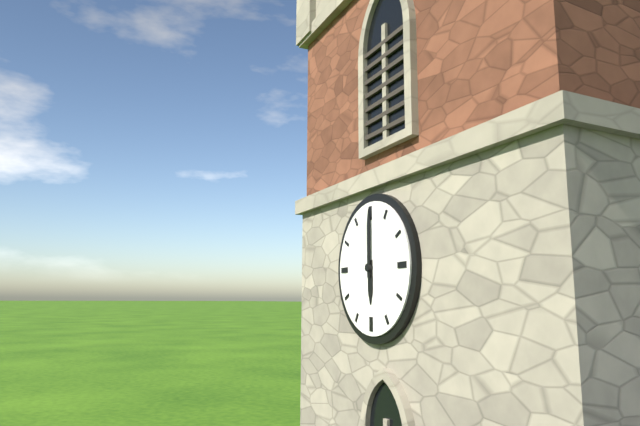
6:00
